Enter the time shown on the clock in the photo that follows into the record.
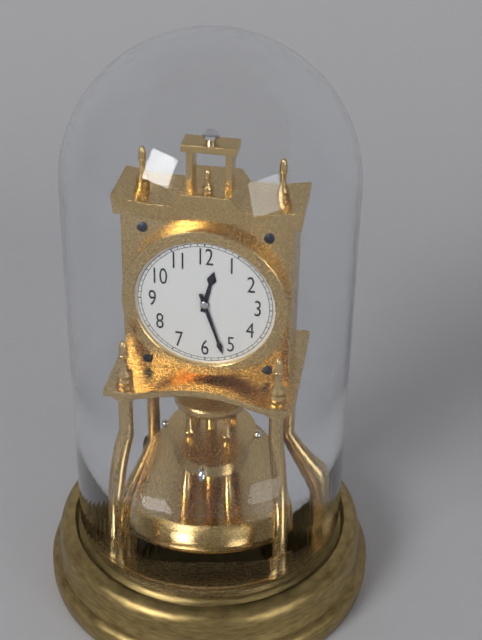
12:27
